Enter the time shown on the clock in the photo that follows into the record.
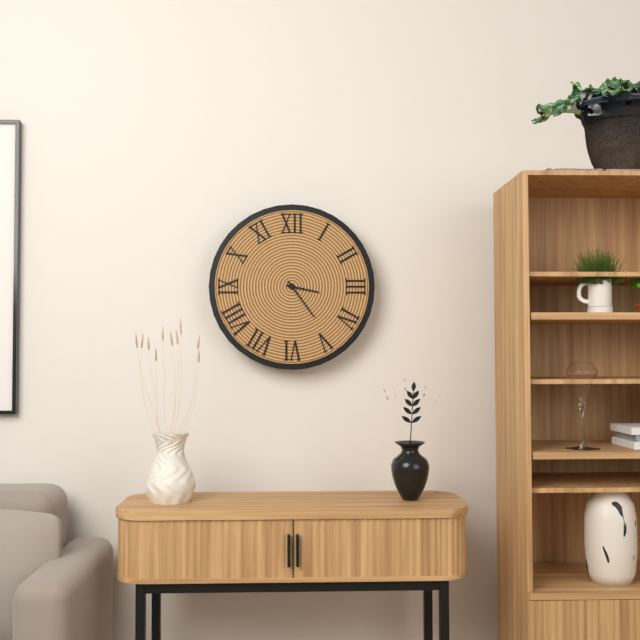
3:24
